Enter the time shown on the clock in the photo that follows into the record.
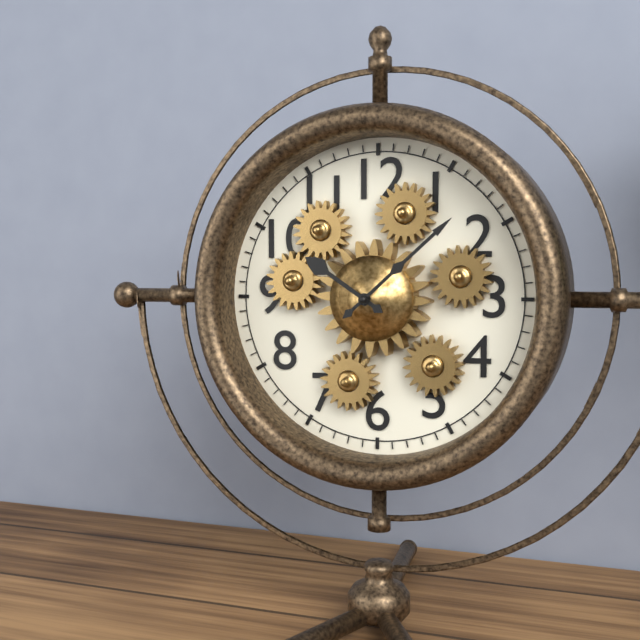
10:08
